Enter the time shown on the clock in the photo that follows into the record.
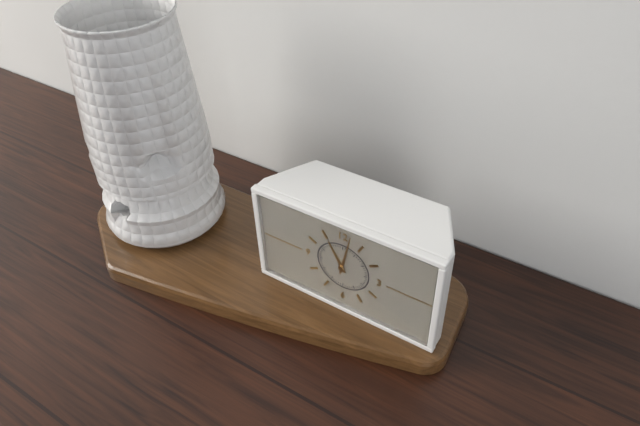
11:02
